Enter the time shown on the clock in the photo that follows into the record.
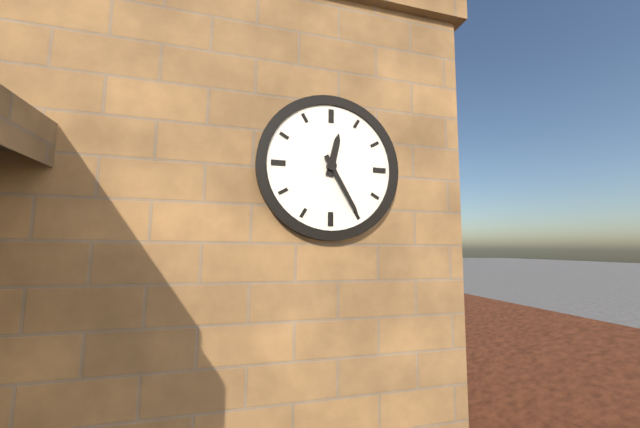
12:25
